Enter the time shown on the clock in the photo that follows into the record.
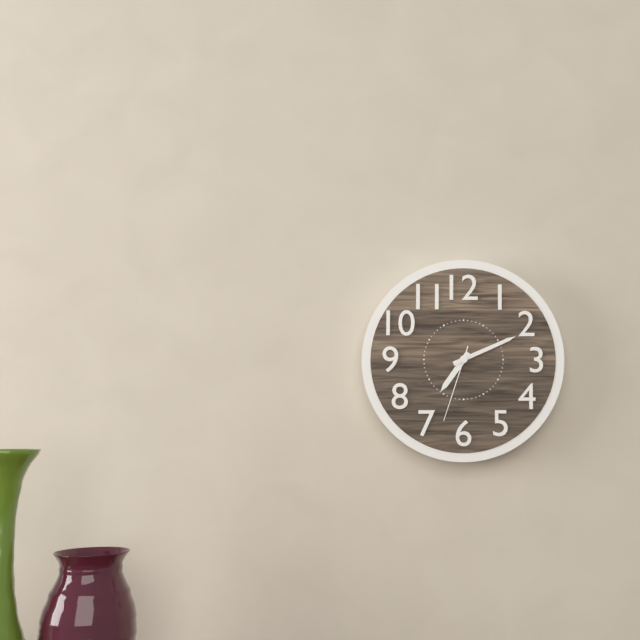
7:11:33
